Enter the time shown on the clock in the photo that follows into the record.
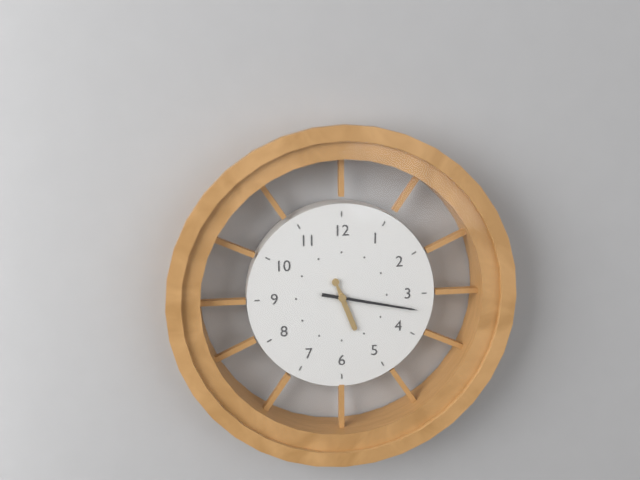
5:17
